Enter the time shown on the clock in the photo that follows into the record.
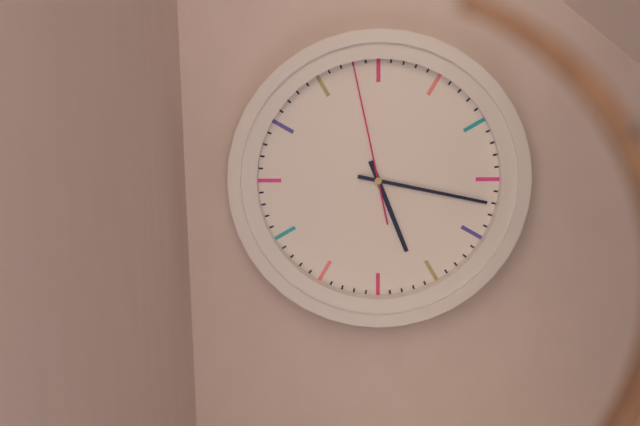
5:17:58
